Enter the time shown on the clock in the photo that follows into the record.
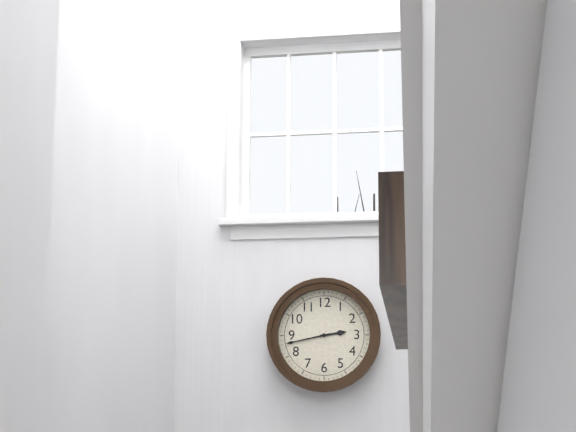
2:43
